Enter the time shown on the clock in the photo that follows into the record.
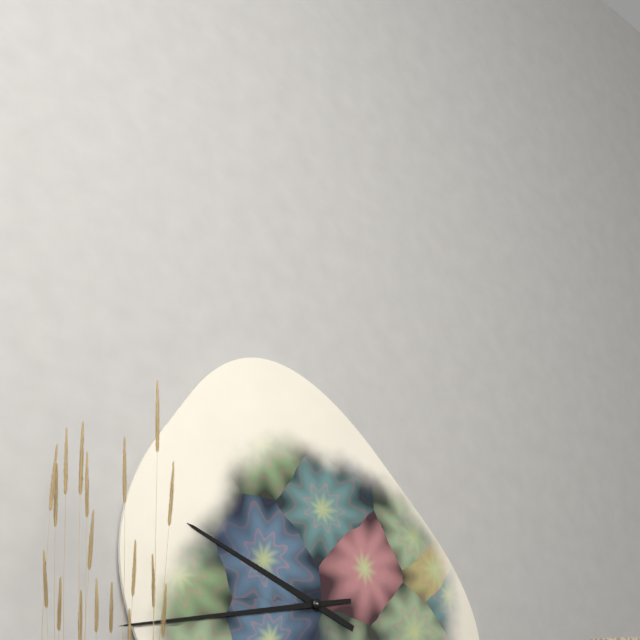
9:43
